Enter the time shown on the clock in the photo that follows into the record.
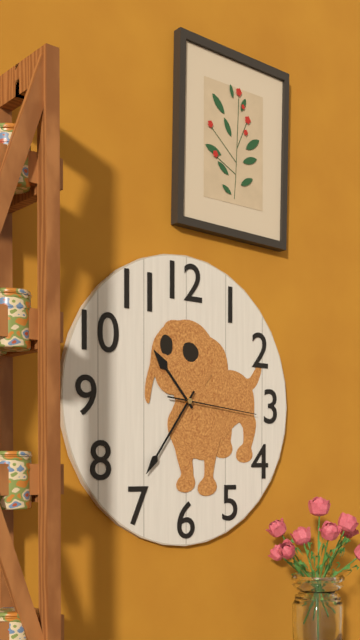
10:36:16
